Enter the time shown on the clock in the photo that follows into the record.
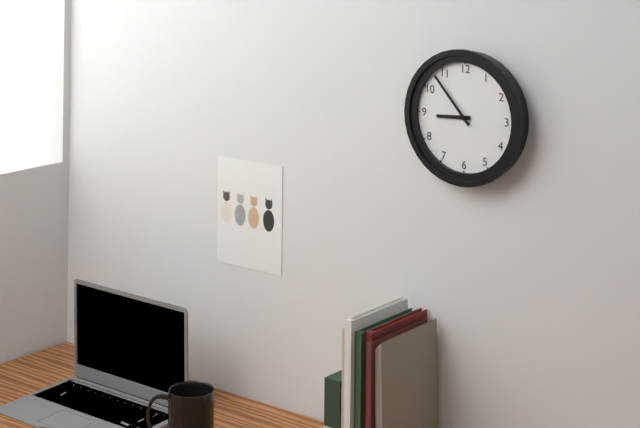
8:53
